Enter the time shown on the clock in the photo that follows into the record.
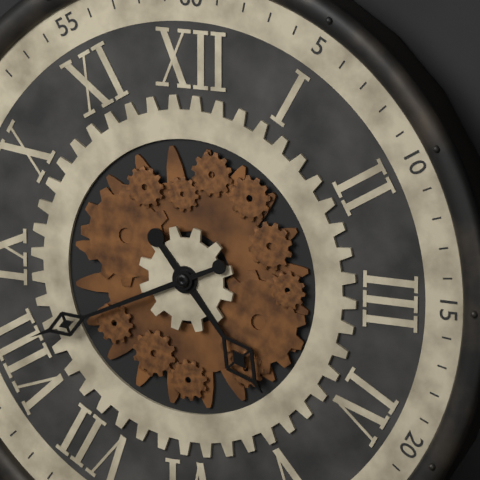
4:41
